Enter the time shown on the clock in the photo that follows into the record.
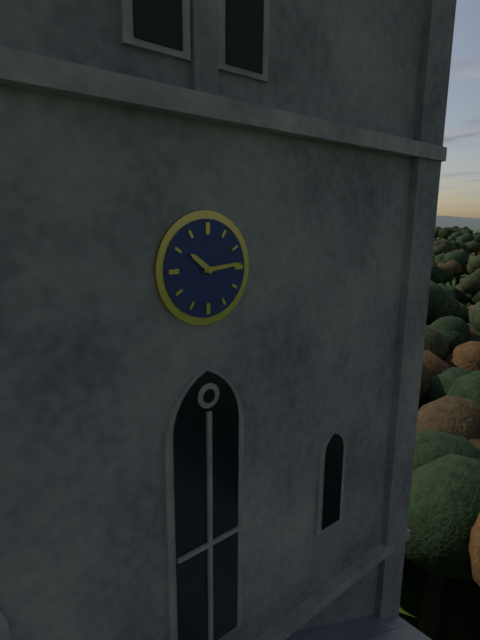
10:14
